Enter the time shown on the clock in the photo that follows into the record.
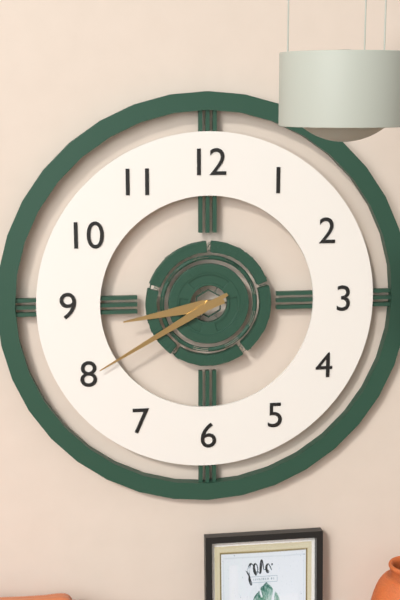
8:40
